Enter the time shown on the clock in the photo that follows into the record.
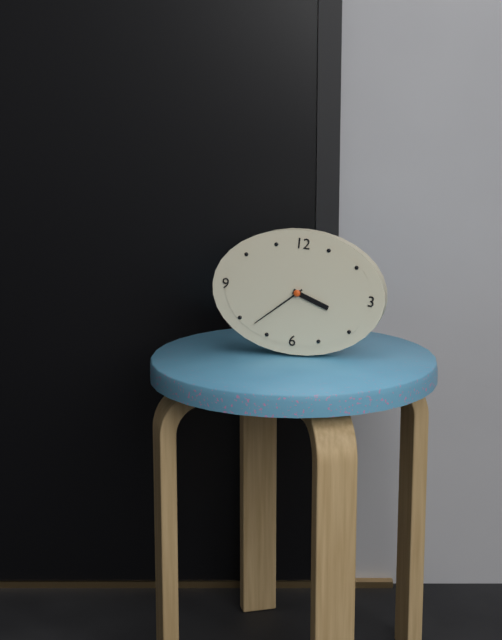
3:38
